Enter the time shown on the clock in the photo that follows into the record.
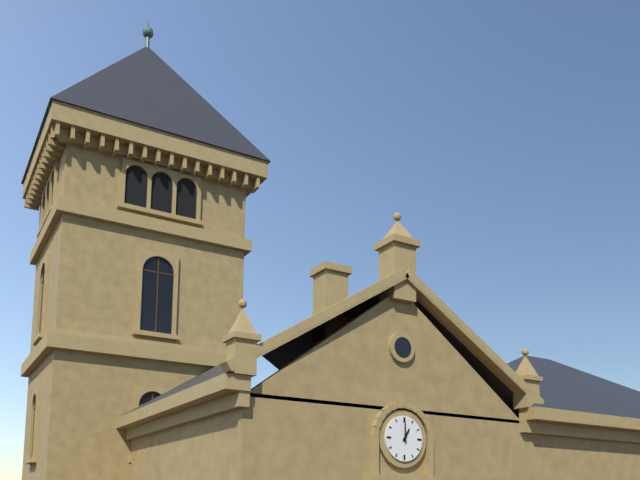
1:00
